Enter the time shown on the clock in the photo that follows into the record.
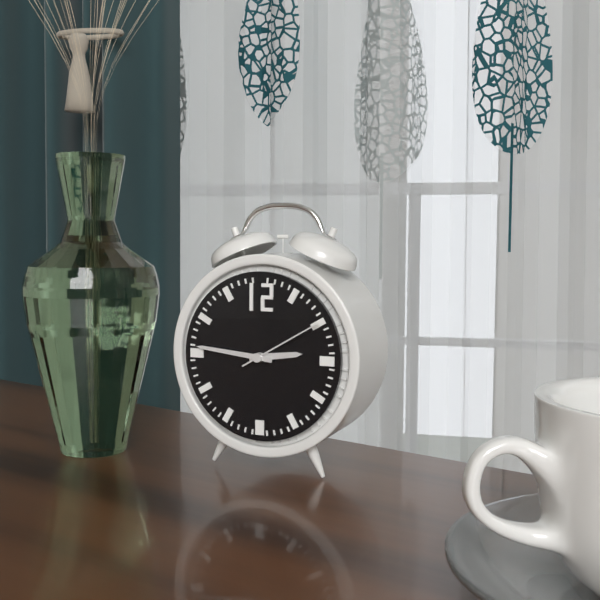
2:46:10
